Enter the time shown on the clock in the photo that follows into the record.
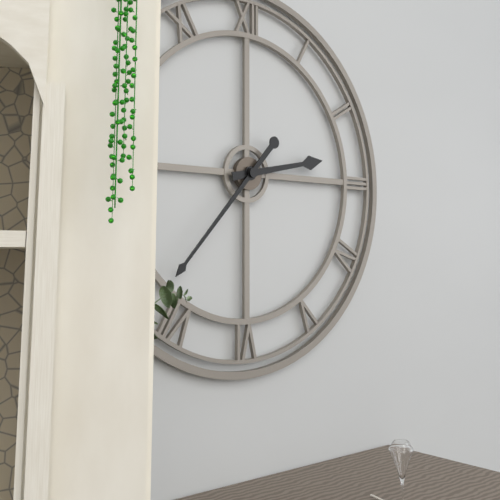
2:37
